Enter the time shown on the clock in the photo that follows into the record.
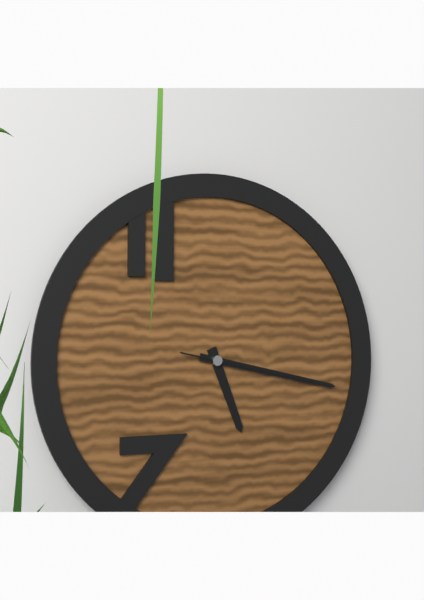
5:17:17
